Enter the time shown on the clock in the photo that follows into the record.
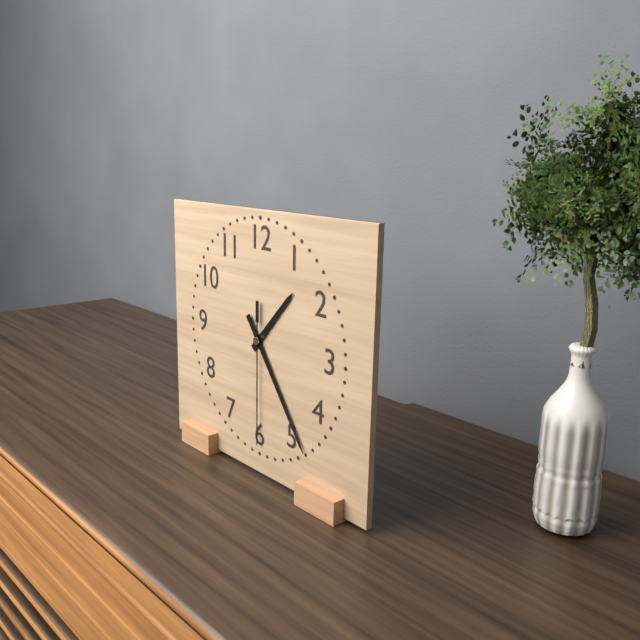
1:24:30
